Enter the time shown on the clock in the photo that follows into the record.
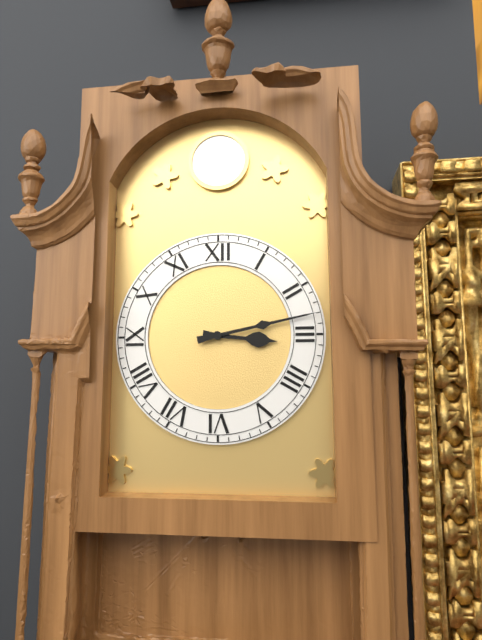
3:13
